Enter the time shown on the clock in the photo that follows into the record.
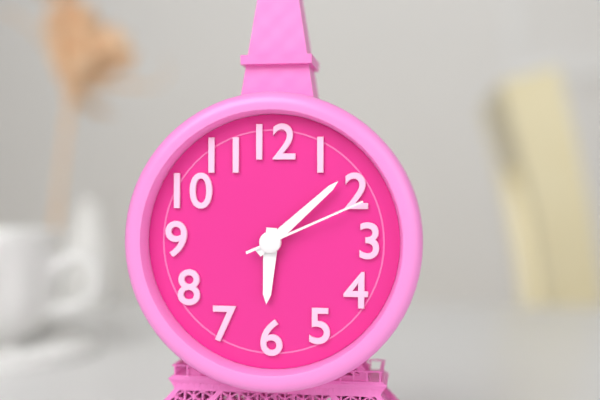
6:08:11
